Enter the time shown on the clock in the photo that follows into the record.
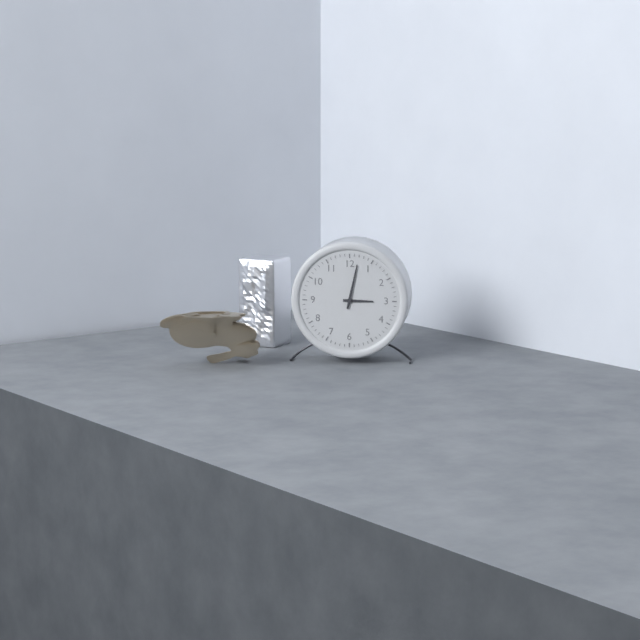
3:02
